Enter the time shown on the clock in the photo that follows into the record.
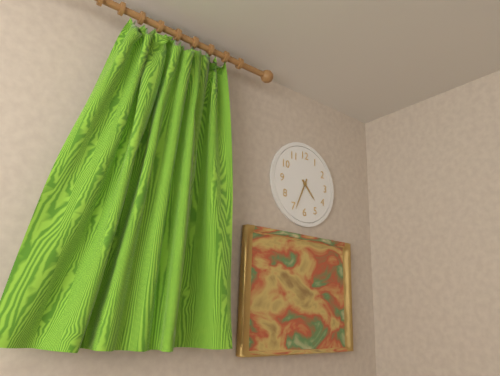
4:34
